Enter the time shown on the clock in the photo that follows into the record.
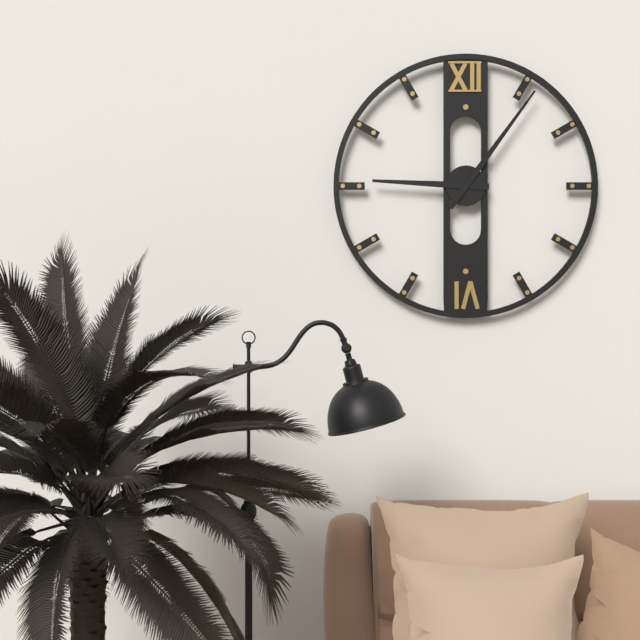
9:06
